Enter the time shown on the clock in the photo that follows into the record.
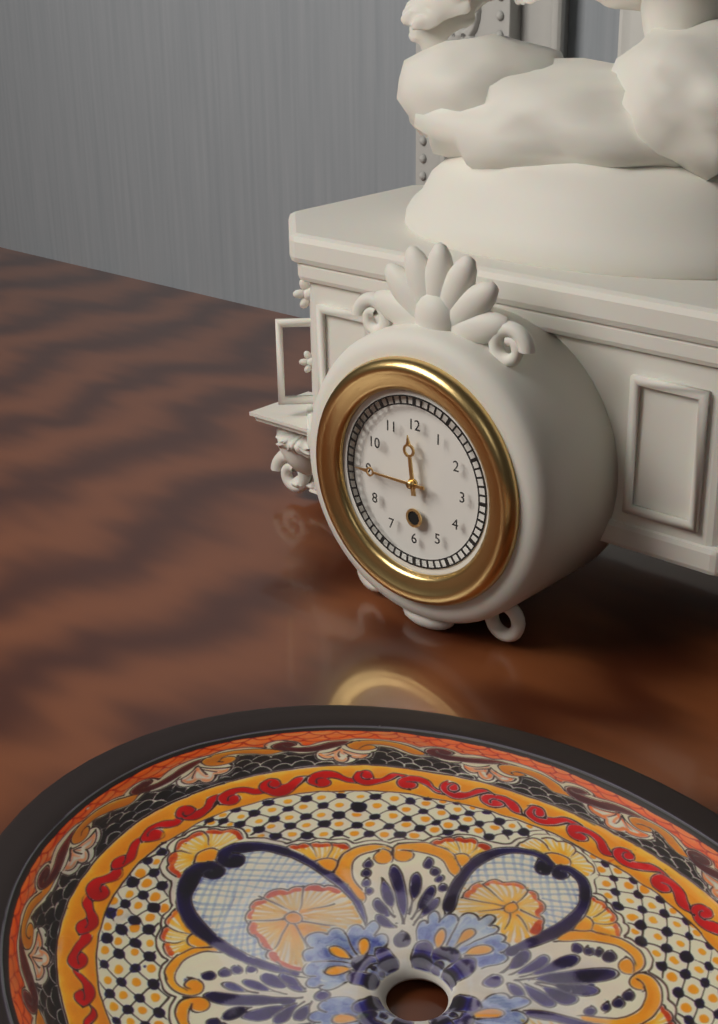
11:45
